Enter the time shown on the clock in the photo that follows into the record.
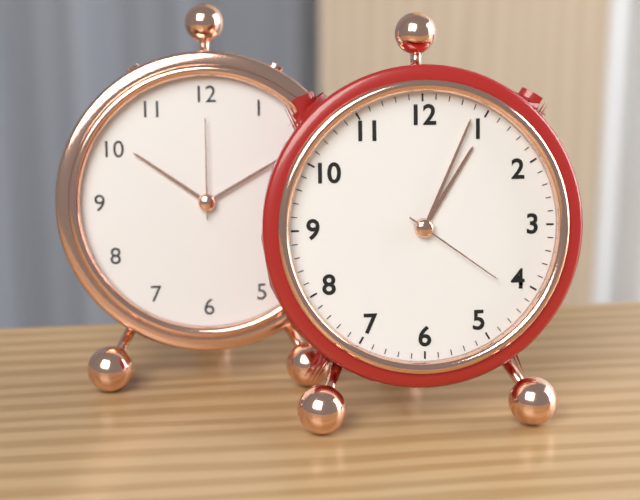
1:04:21
